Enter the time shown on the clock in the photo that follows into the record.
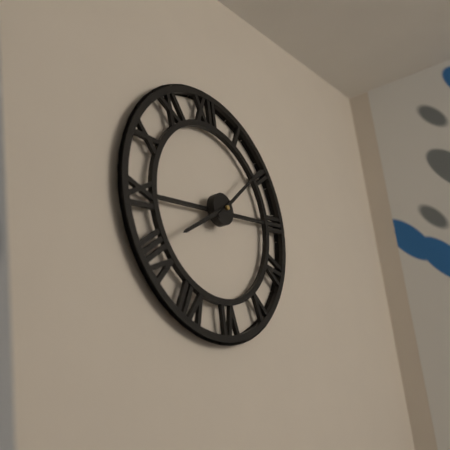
8:09
